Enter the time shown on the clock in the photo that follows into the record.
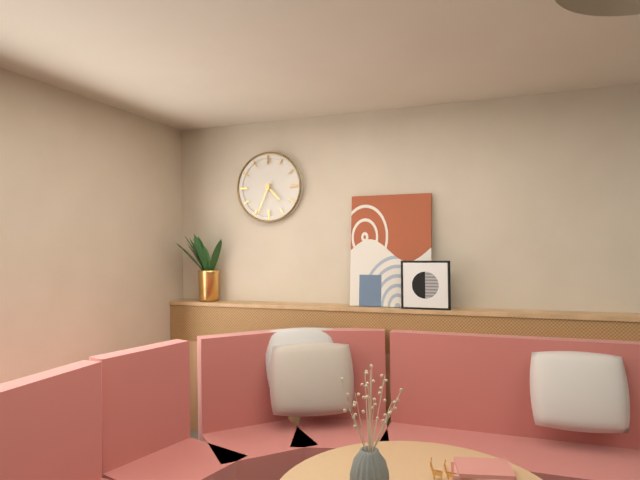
4:34
